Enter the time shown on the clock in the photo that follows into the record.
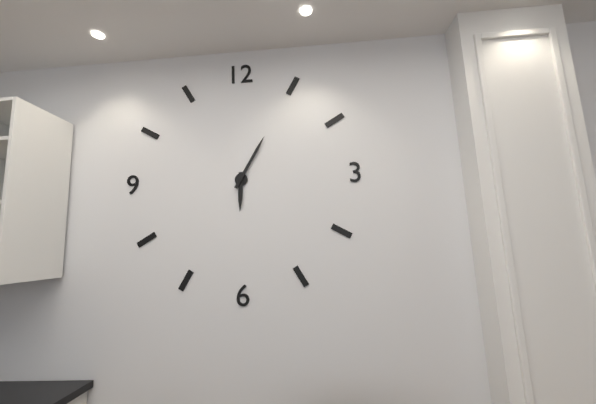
6:05
